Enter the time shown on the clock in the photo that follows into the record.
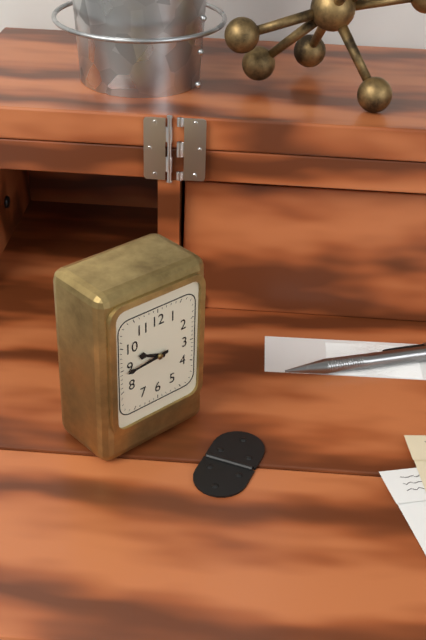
9:44
